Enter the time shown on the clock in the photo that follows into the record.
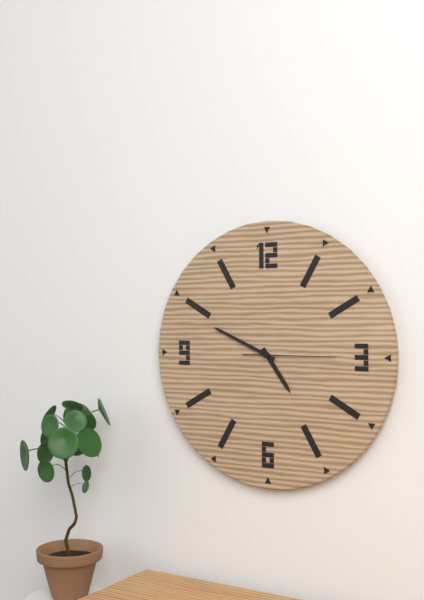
4:49:15
